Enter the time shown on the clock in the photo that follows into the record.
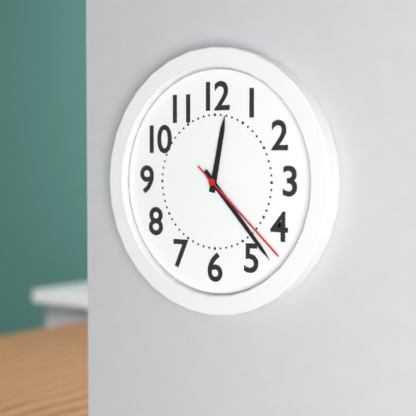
12:23:22
